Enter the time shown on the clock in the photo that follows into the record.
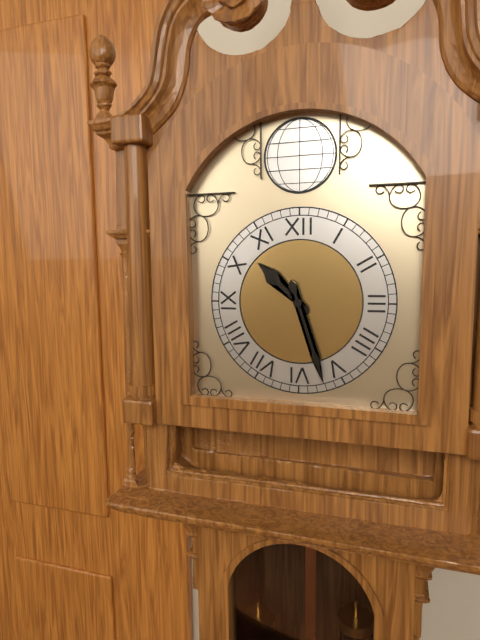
10:27
